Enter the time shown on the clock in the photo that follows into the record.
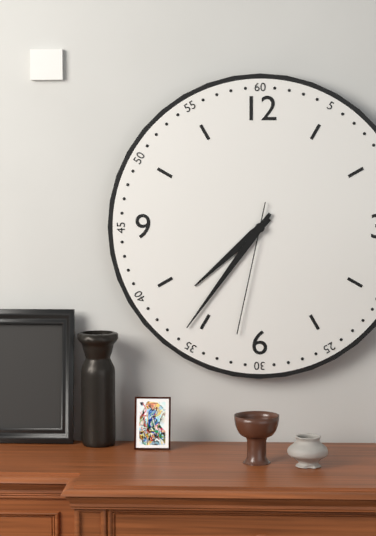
7:36:32
